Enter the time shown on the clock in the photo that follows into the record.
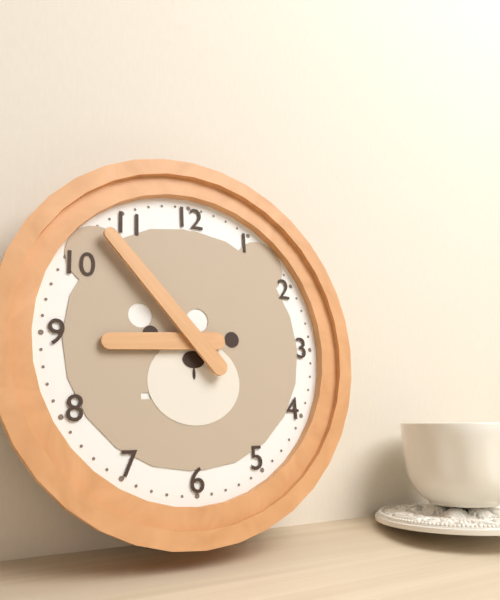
8:53
